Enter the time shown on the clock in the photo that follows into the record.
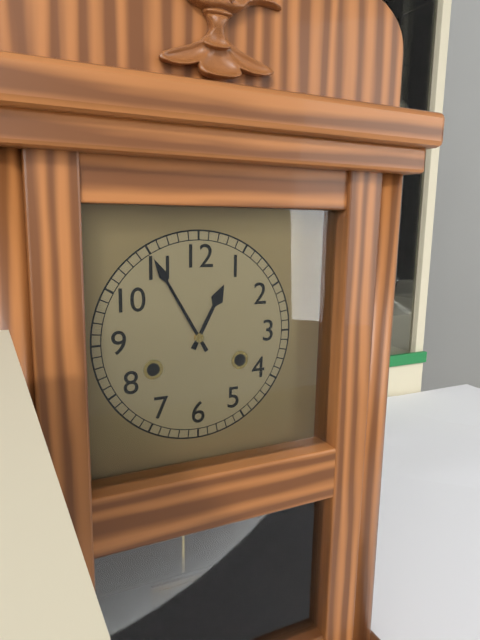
12:55
